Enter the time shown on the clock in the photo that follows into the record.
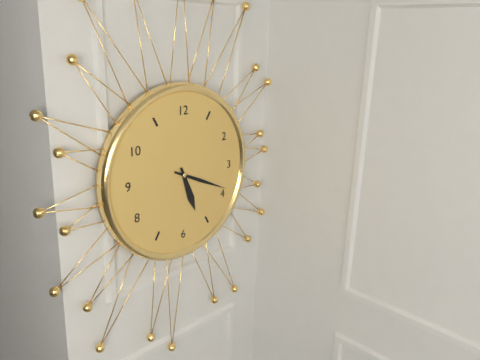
5:19
